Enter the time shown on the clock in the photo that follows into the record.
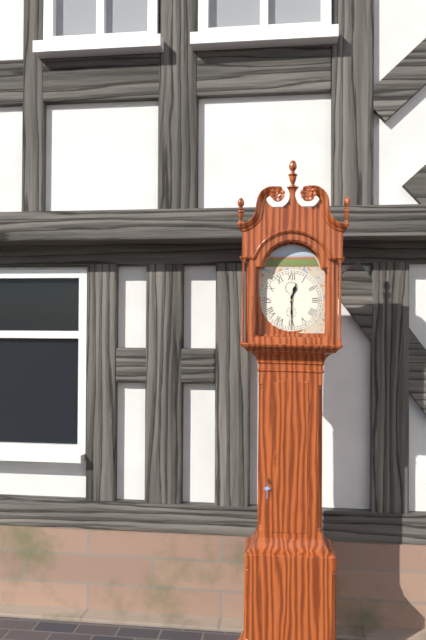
12:30
